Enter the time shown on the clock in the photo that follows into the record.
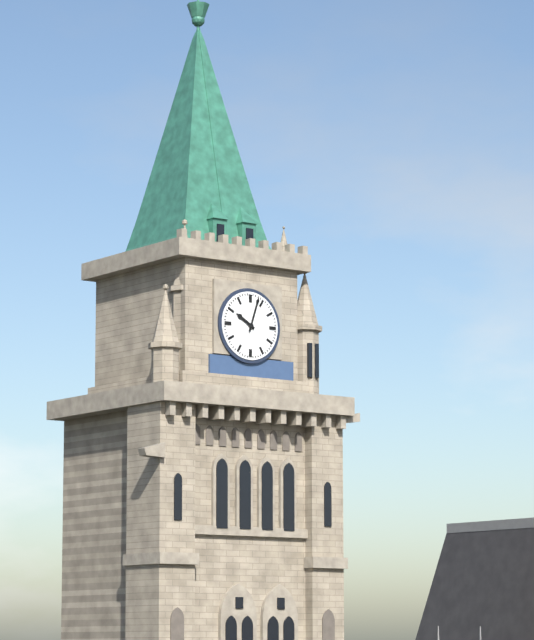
10:03
